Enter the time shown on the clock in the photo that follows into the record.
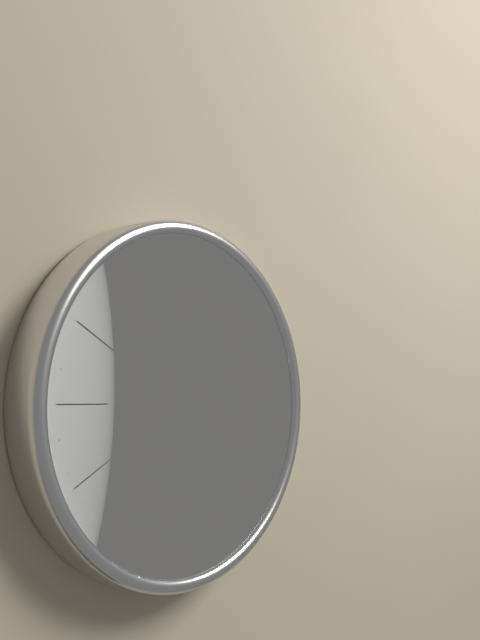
11:00
